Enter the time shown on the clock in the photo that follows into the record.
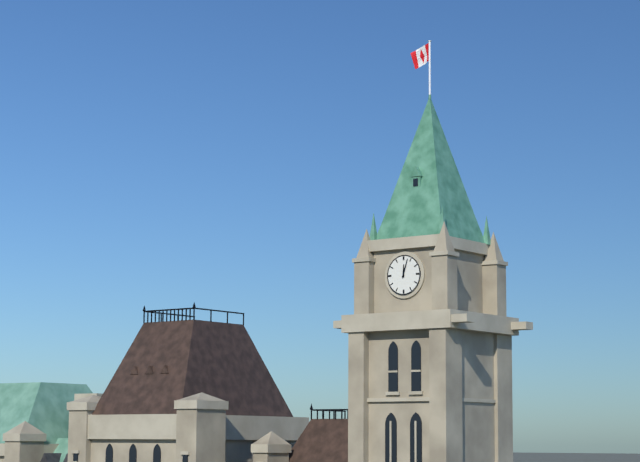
12:03
